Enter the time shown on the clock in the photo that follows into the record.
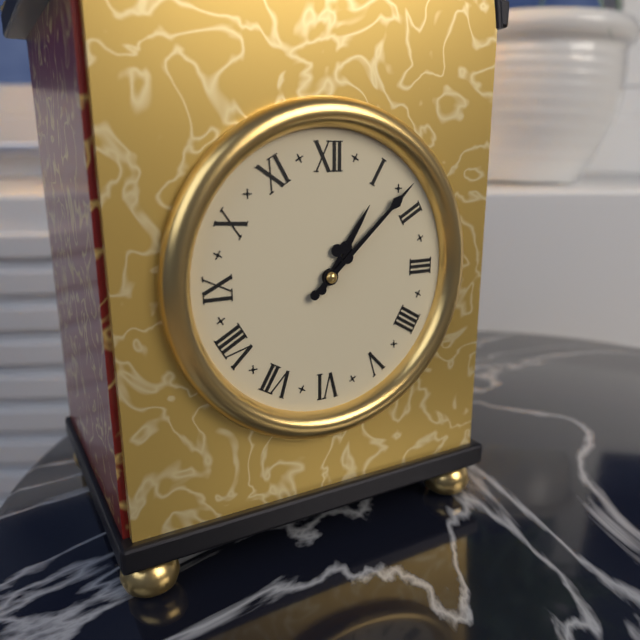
1:08
